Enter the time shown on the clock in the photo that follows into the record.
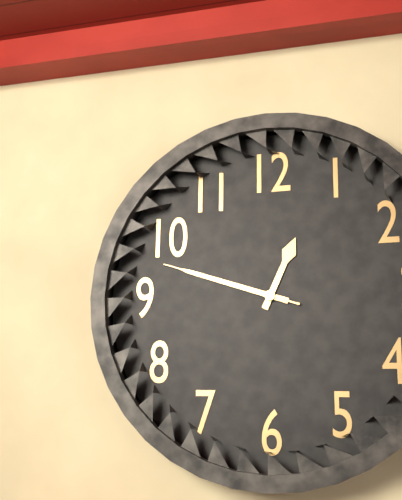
12:48:48
